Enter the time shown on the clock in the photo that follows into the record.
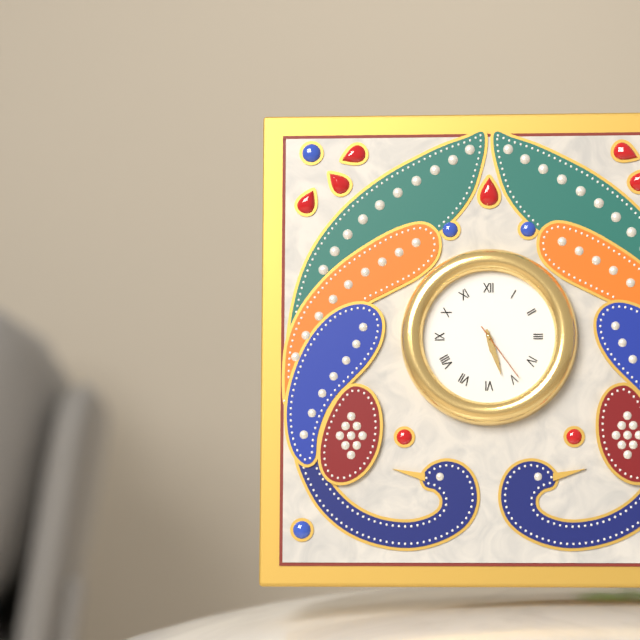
5:27:24
